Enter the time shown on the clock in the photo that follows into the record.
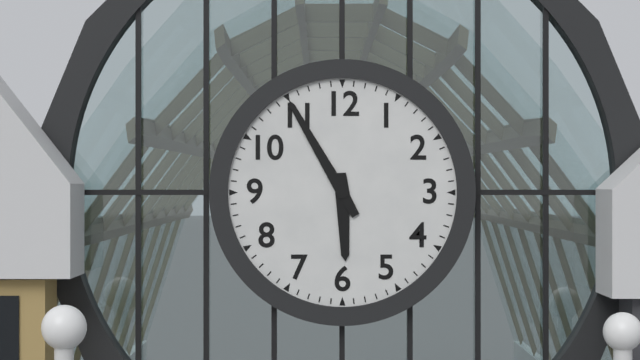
5:55
